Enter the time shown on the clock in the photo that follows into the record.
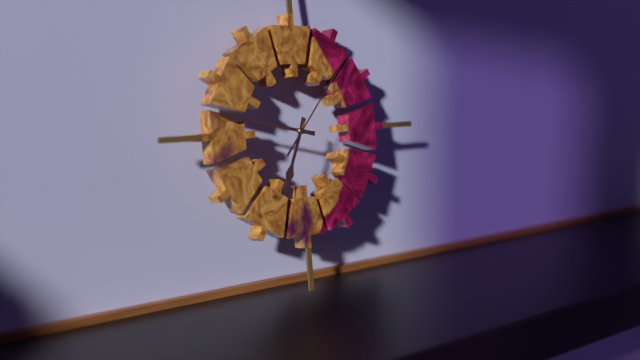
6:47:07
